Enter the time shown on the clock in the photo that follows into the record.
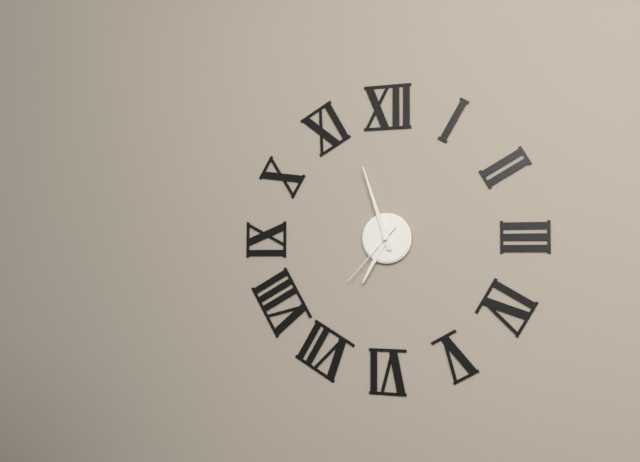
6:57:37
